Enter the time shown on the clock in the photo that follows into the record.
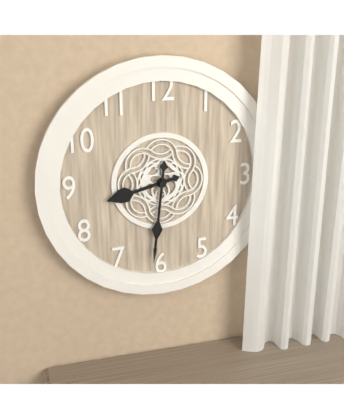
8:31
